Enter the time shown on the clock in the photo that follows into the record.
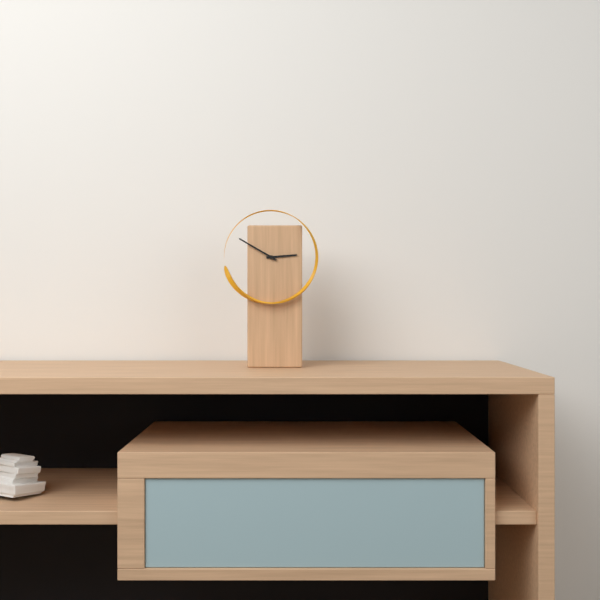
2:50
